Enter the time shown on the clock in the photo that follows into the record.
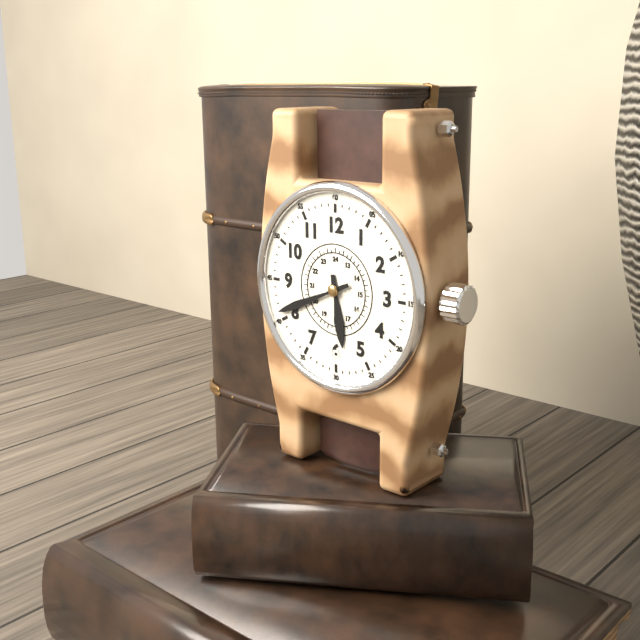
5:41
